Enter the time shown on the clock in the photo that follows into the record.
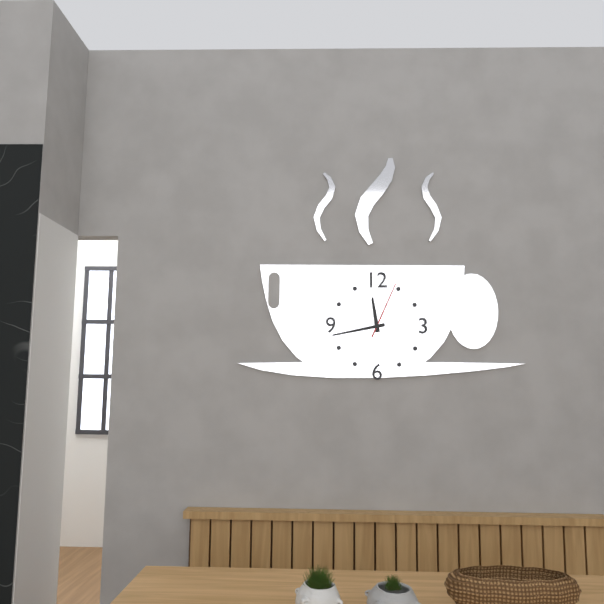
11:43:04
